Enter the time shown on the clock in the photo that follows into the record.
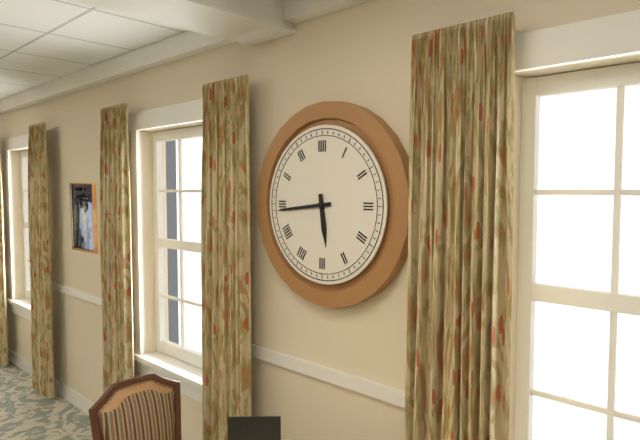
5:44
